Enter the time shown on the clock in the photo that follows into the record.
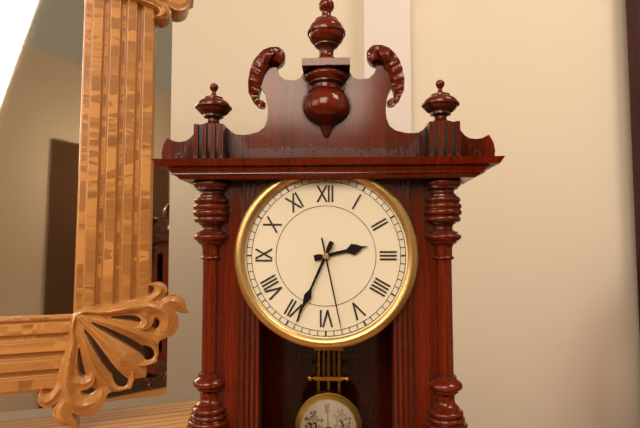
2:34:28
